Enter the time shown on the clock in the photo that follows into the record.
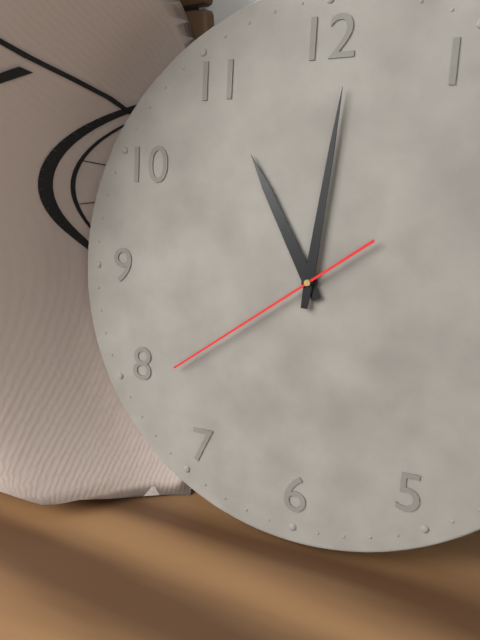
11:01:39
